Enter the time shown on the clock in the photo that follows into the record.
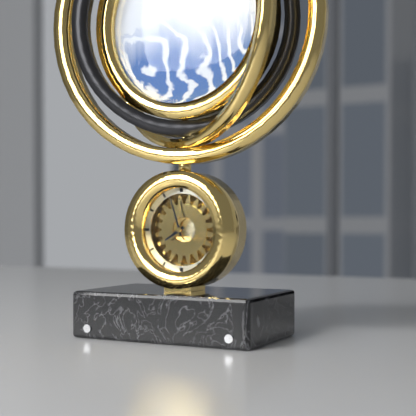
7:57
